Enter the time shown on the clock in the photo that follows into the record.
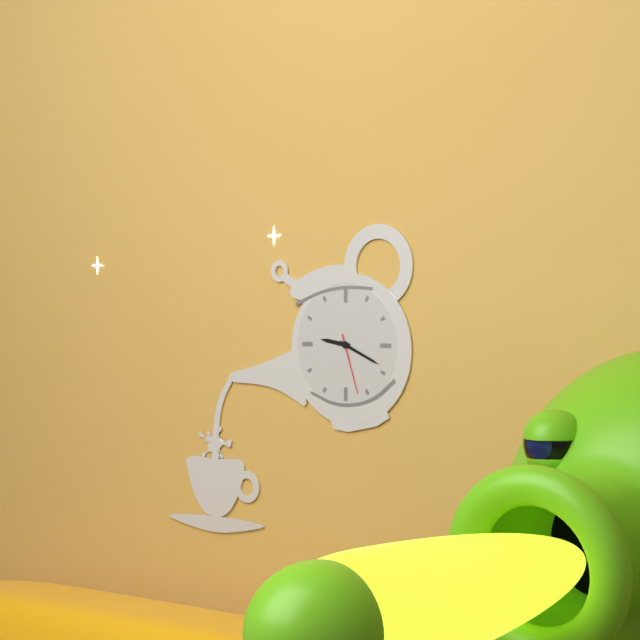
9:19:27
